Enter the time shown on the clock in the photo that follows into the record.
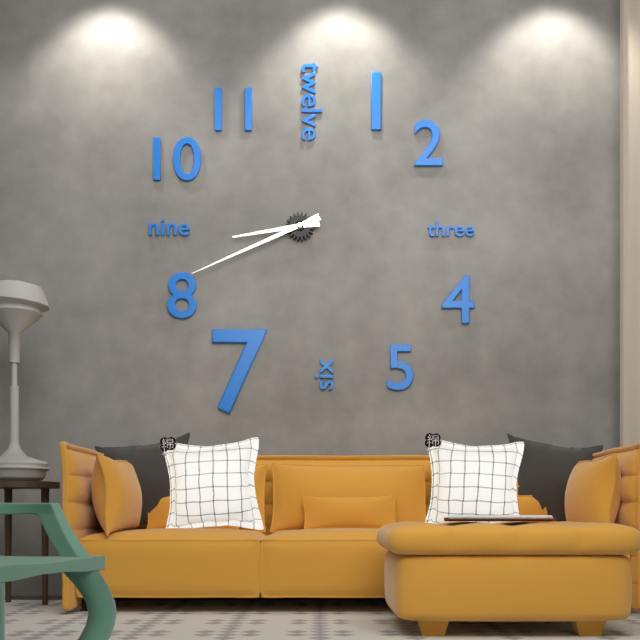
8:41
